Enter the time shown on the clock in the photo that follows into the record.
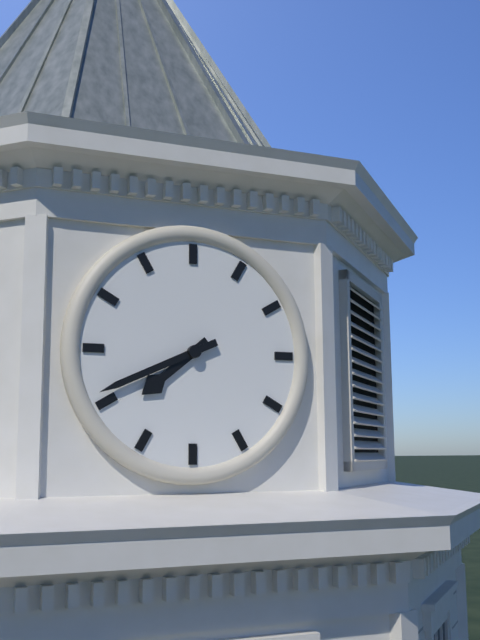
7:41
